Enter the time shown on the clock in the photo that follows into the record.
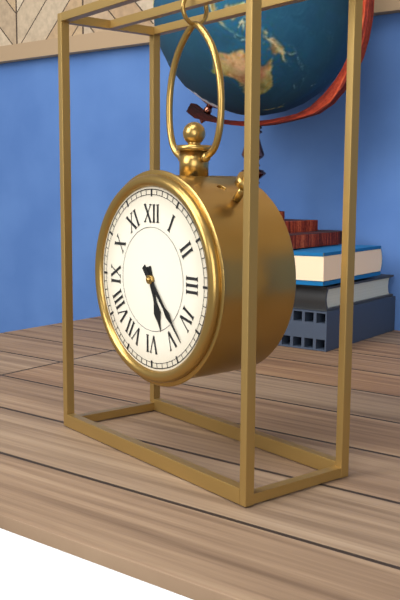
5:23
